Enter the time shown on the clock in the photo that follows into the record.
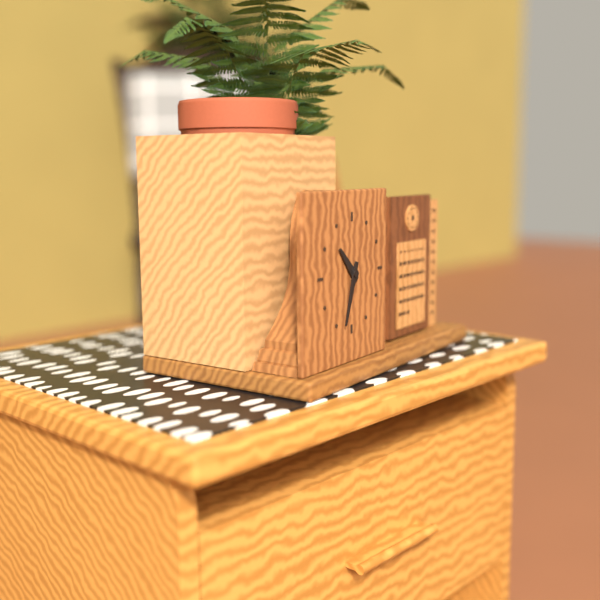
10:33
